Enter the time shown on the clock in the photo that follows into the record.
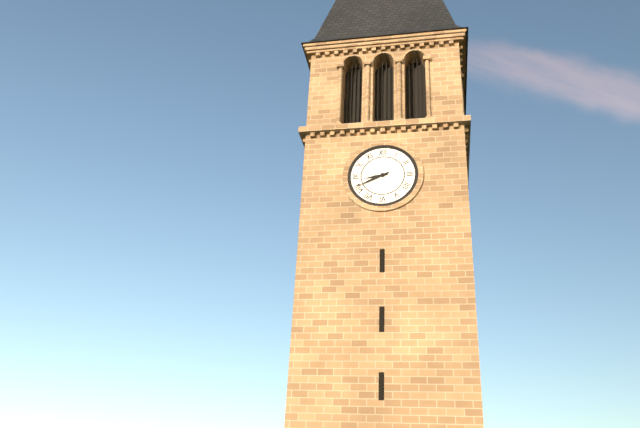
8:41
